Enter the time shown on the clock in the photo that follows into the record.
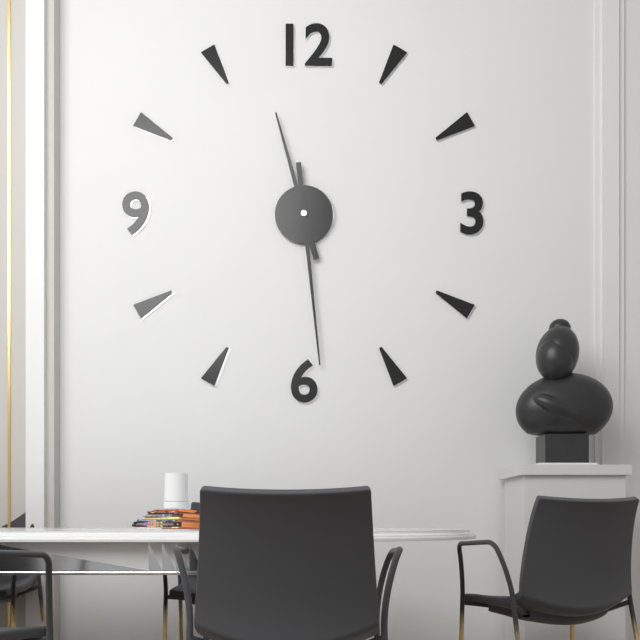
11:29
